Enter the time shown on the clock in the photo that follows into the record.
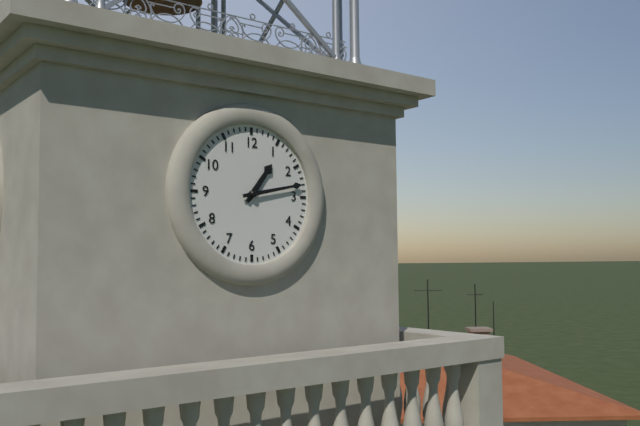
1:13
